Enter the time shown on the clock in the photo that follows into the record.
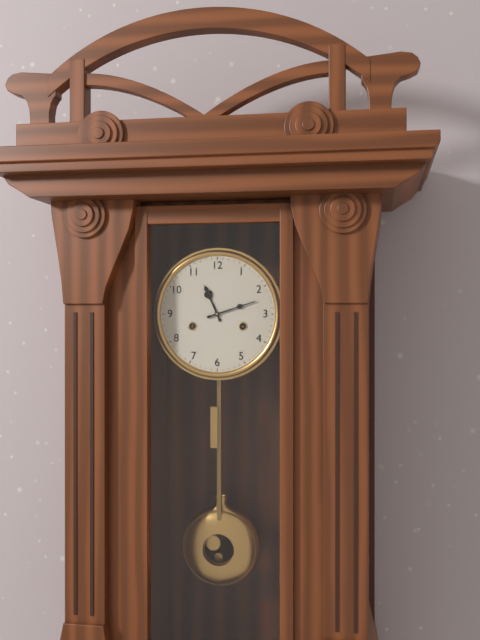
11:12
